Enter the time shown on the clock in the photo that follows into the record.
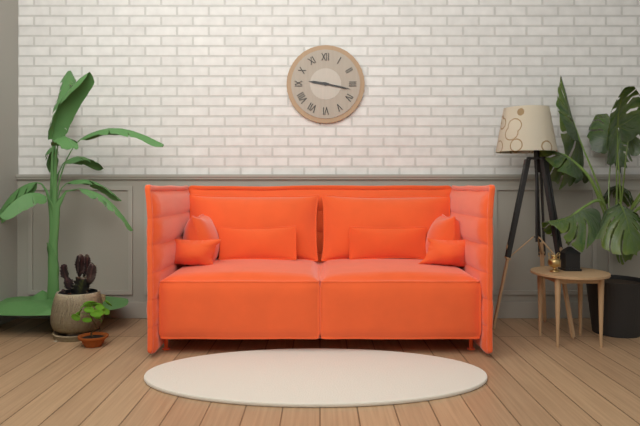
9:17
